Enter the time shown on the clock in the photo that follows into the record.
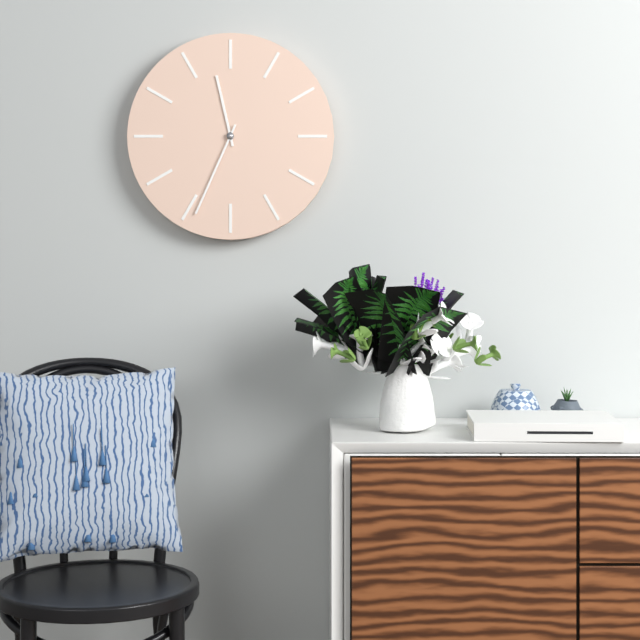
11:34
